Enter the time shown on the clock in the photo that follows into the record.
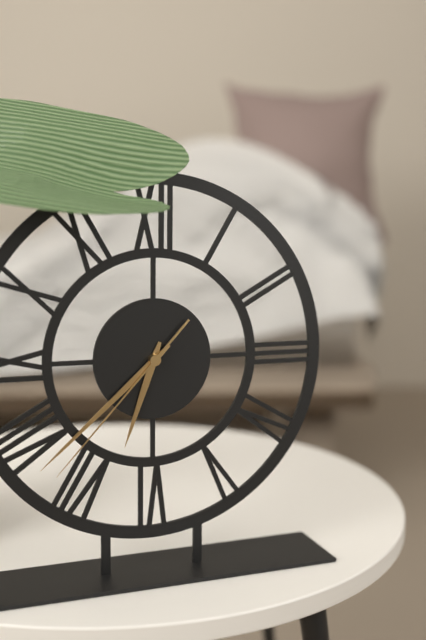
6:38:37
